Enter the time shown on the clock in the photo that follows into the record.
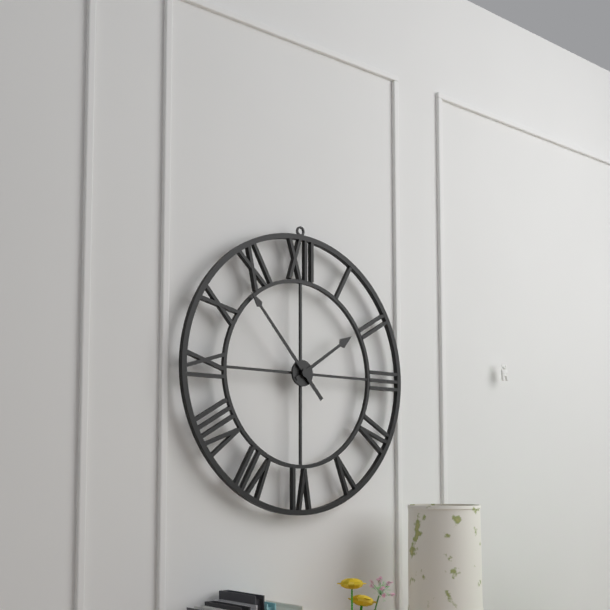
1:53
